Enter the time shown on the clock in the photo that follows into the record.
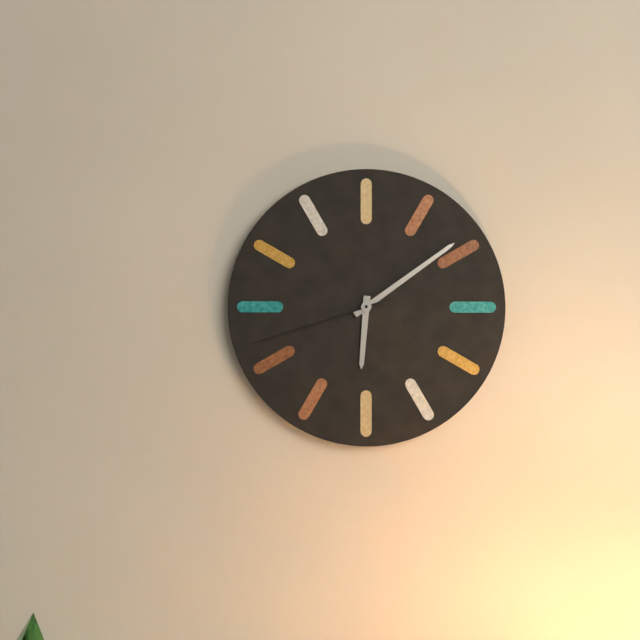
6:09:42
